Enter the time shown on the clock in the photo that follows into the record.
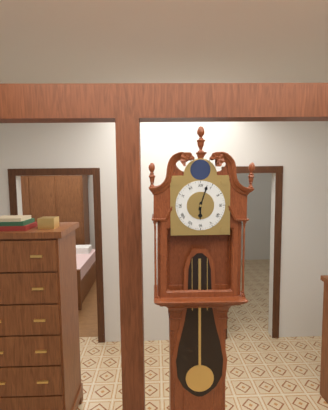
6:03
